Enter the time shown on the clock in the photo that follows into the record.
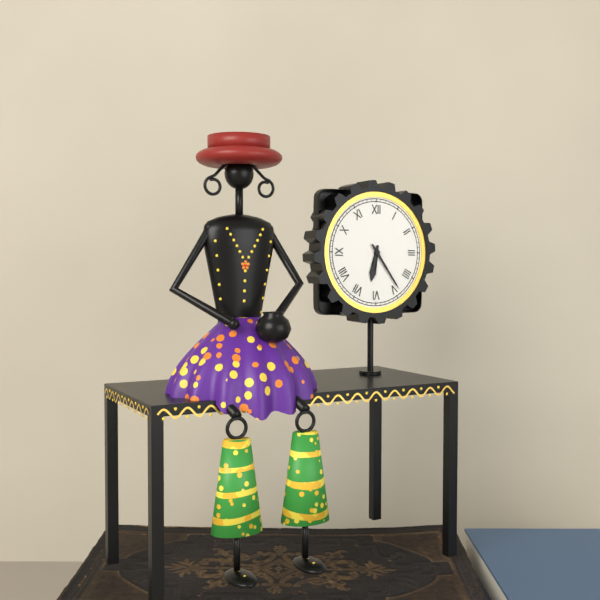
6:24
